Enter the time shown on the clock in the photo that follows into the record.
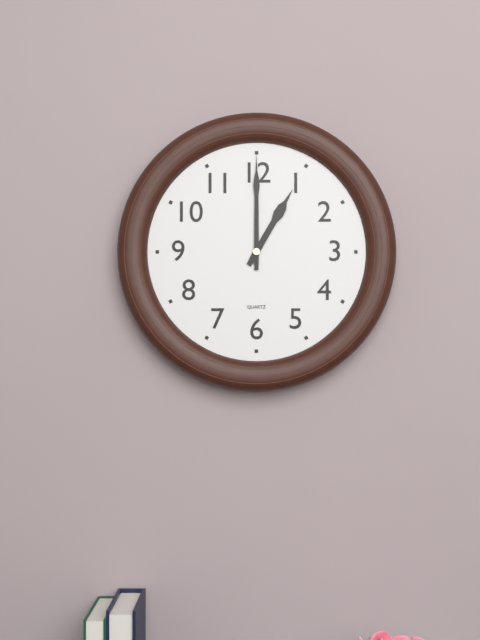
1:00
